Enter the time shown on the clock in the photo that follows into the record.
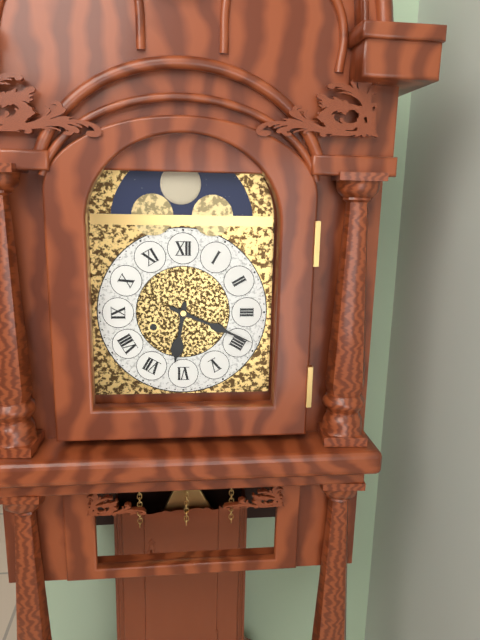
6:19
